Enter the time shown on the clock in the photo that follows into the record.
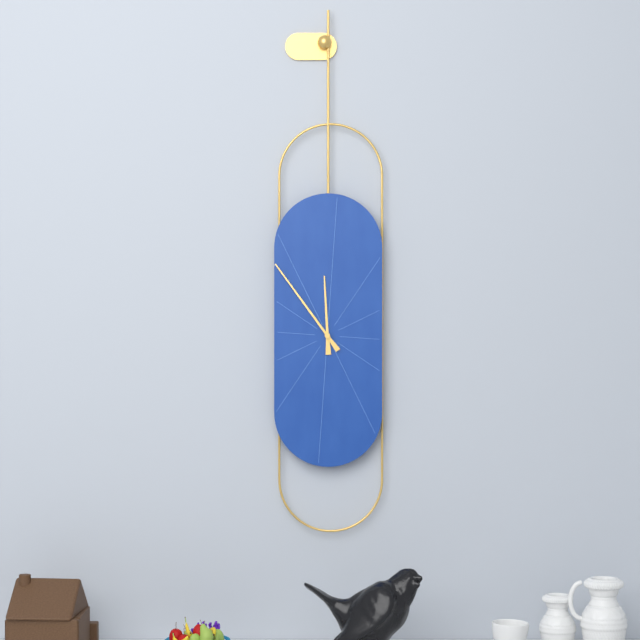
11:54
